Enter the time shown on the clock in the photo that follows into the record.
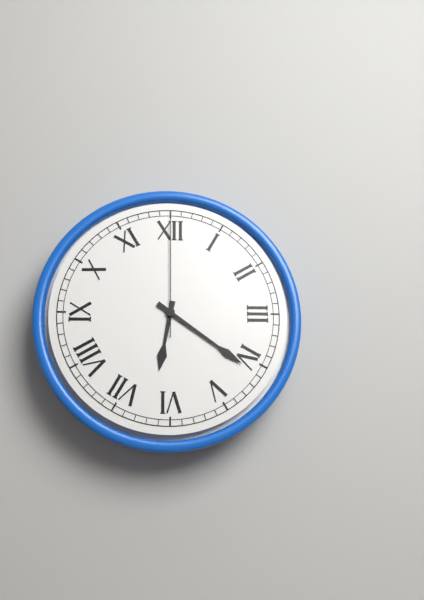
6:21:00
